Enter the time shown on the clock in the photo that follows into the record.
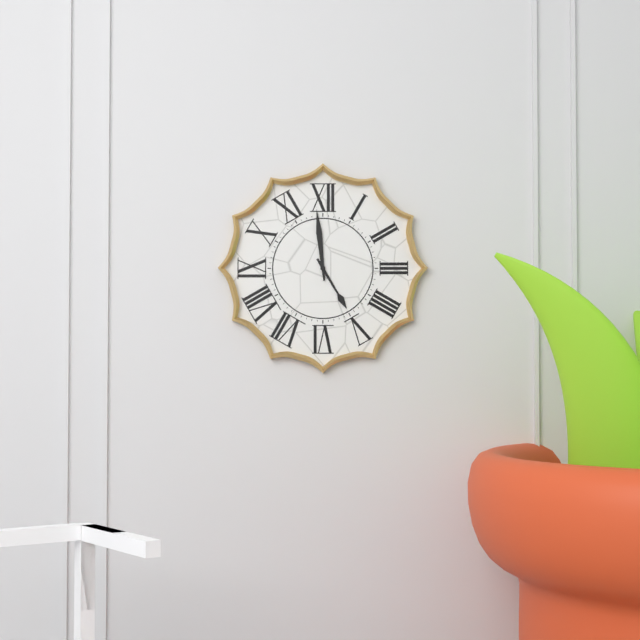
4:59
